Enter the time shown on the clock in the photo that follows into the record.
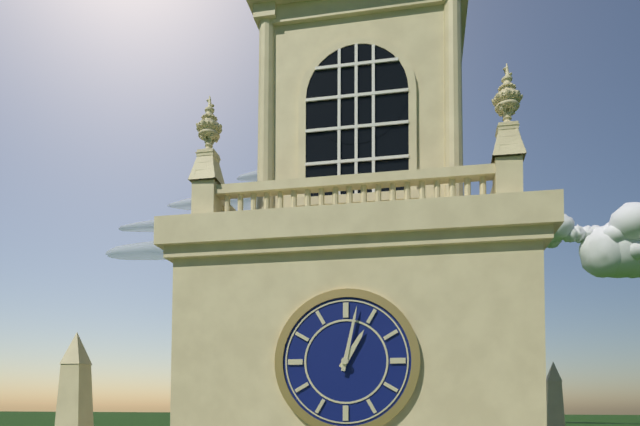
1:02
